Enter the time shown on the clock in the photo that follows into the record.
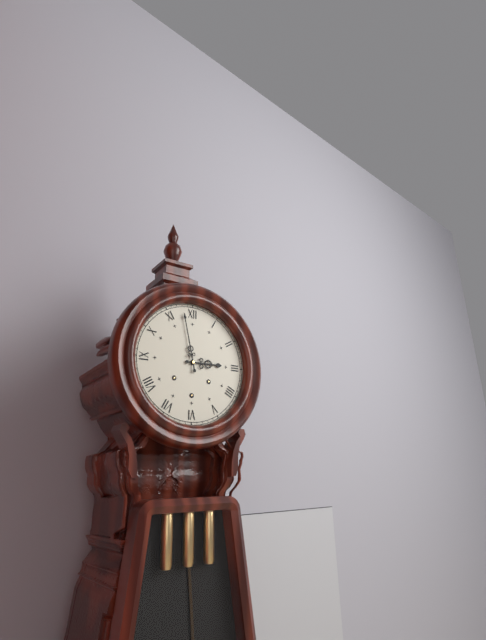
2:58
